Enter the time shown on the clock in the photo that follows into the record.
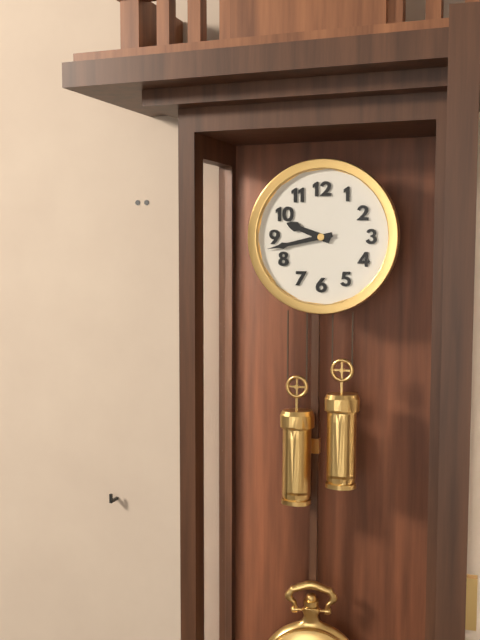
9:43
